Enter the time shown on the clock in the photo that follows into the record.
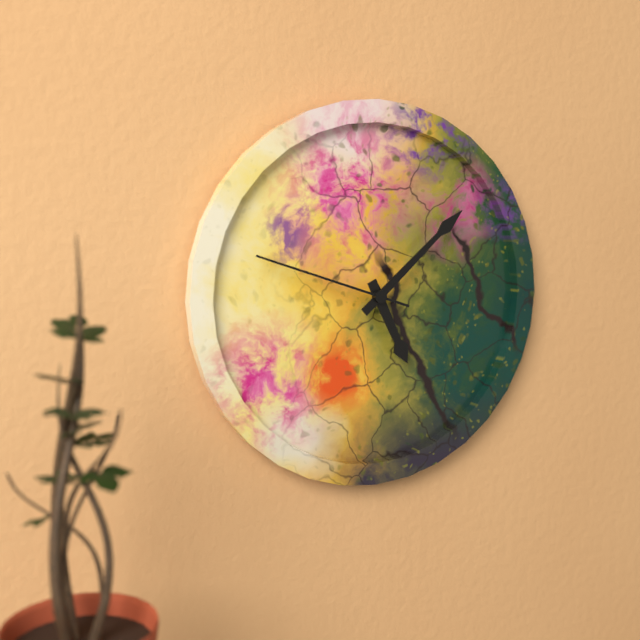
5:08:48
